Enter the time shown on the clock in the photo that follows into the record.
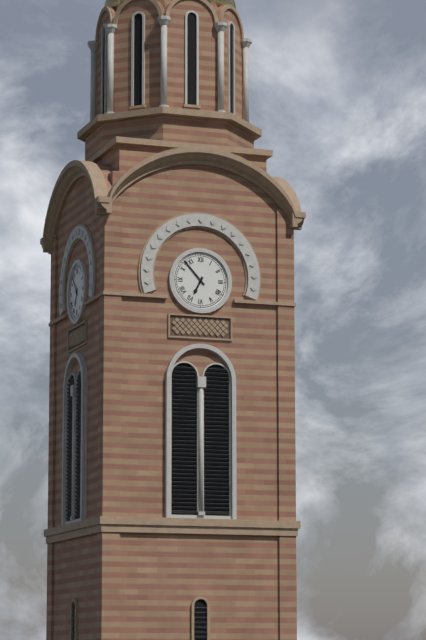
6:53
